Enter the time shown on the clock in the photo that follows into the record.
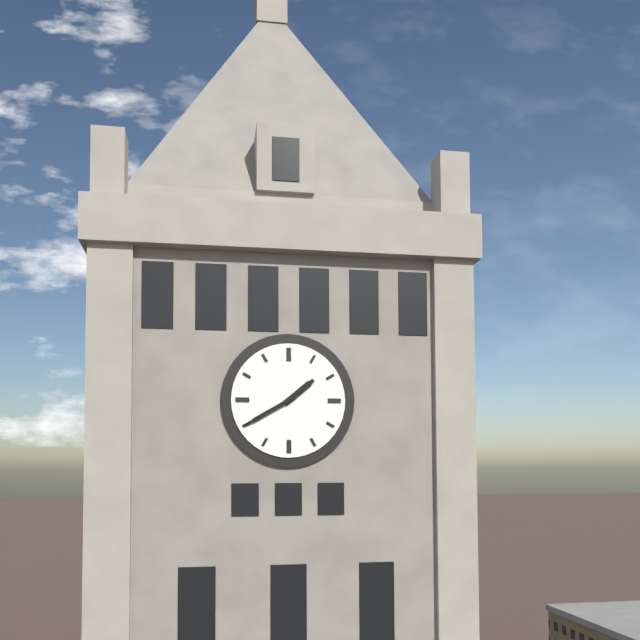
1:40
